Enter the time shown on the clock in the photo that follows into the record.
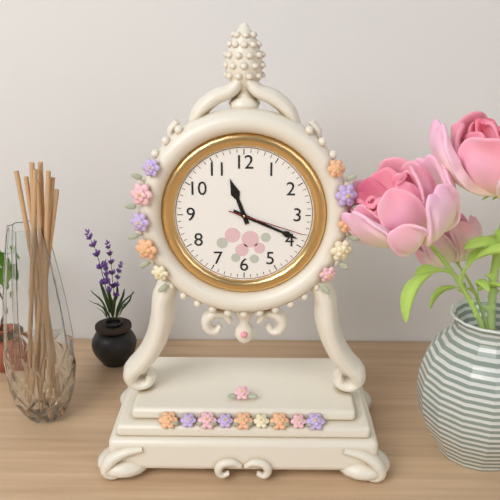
11:19:18
